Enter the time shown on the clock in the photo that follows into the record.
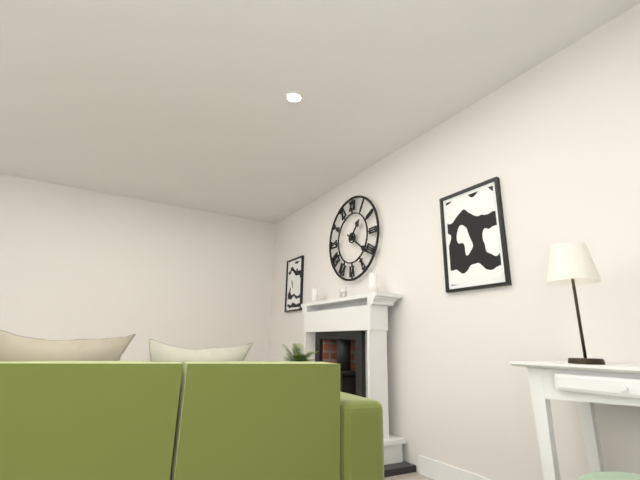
1:21
